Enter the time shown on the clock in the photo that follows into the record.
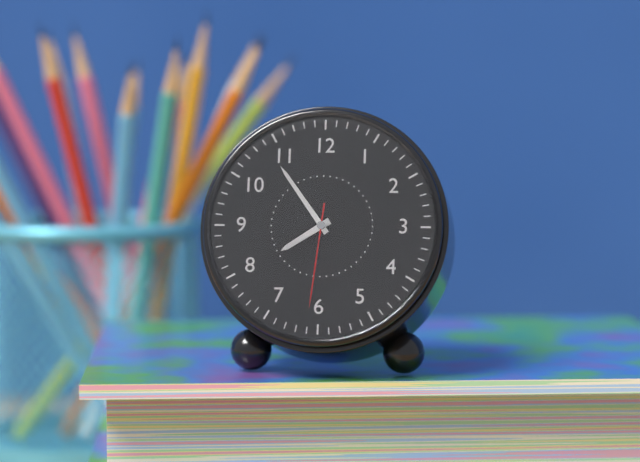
7:54:31
